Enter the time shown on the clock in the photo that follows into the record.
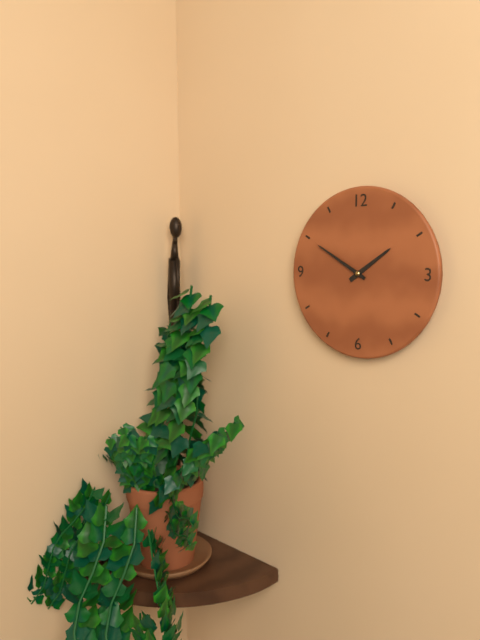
1:50
